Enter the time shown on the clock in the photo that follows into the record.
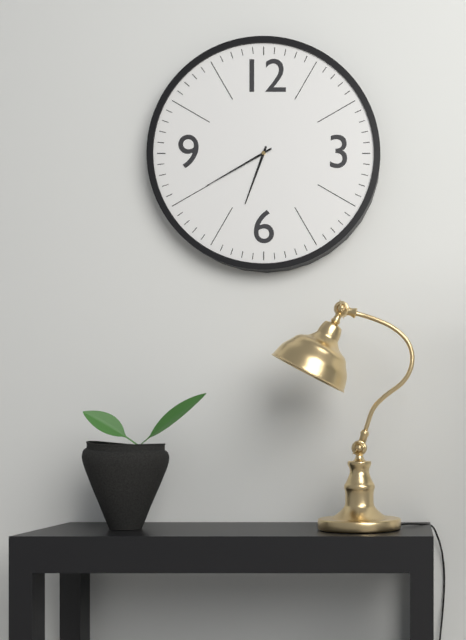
6:40
